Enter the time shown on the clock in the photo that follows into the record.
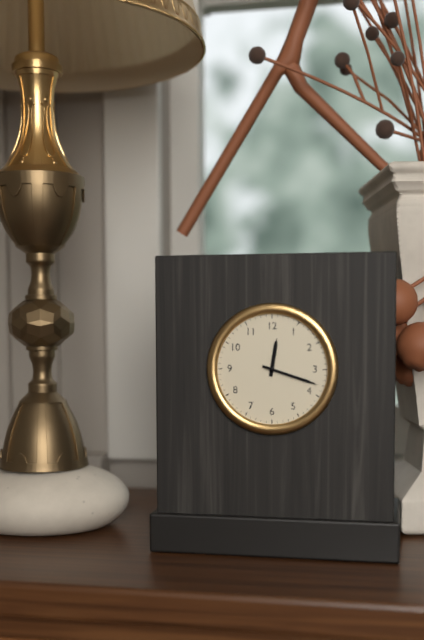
12:18
